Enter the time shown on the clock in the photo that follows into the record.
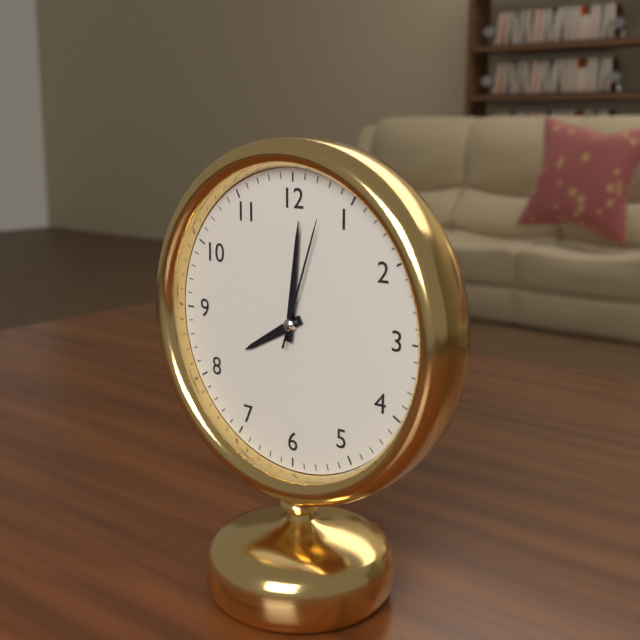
8:01:03
